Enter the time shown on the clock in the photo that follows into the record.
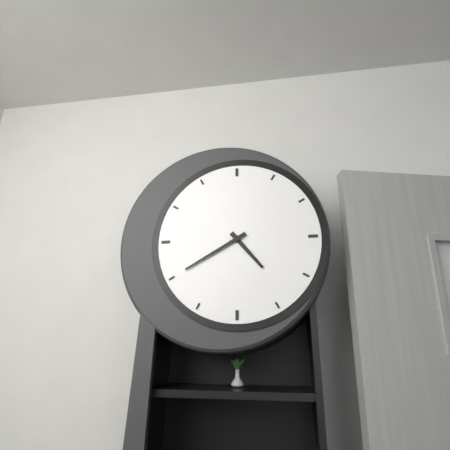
4:40
